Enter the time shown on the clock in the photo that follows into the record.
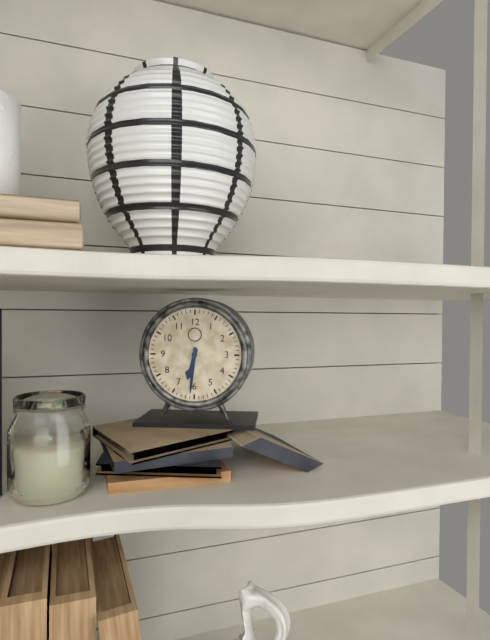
6:31
